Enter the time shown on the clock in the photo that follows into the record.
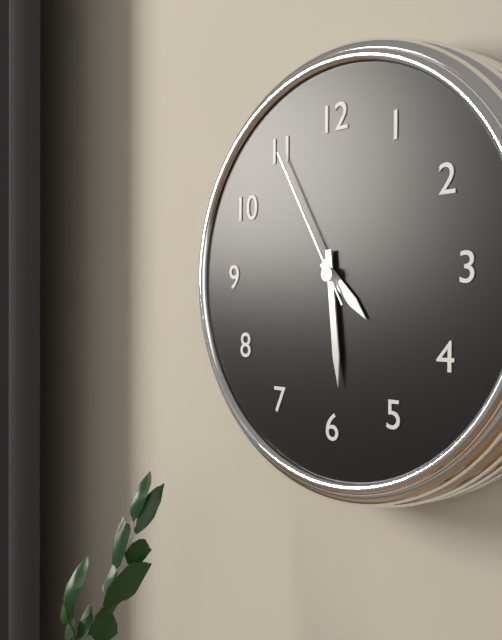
4:29:55
